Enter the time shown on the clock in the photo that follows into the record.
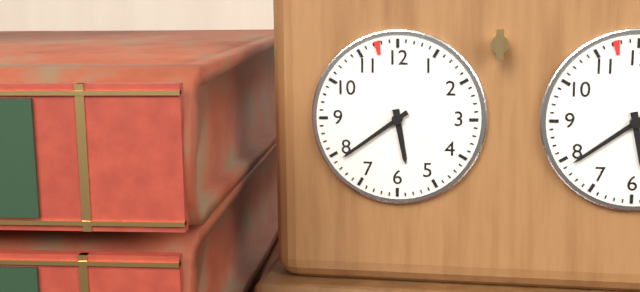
5:39
